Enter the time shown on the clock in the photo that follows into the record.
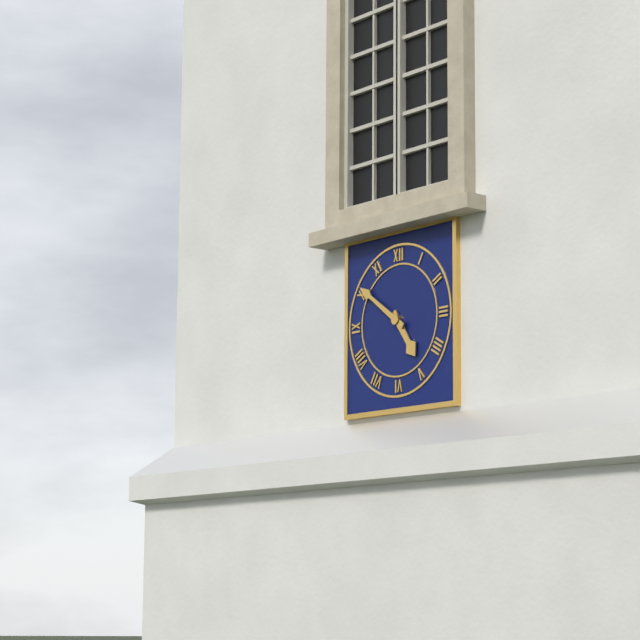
4:51
